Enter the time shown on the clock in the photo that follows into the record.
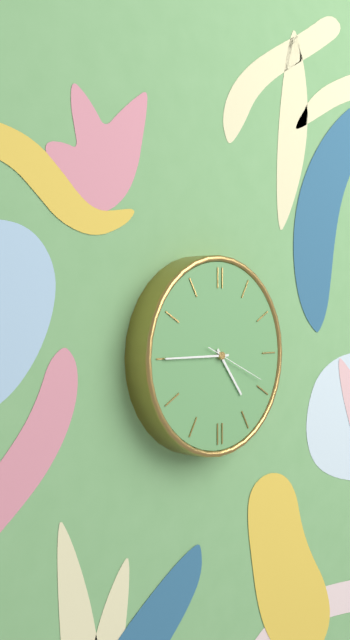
4:45:19
